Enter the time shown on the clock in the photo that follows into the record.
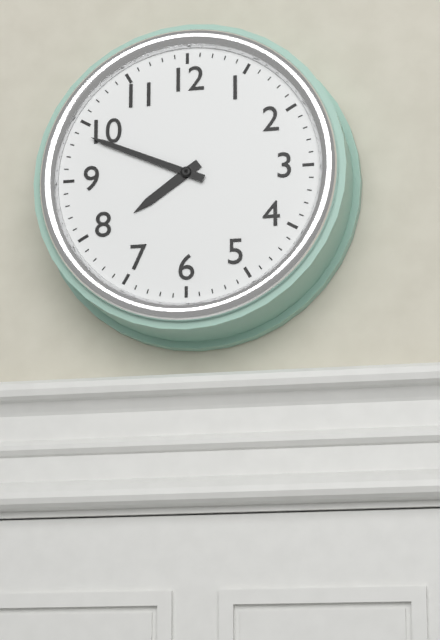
7:49
